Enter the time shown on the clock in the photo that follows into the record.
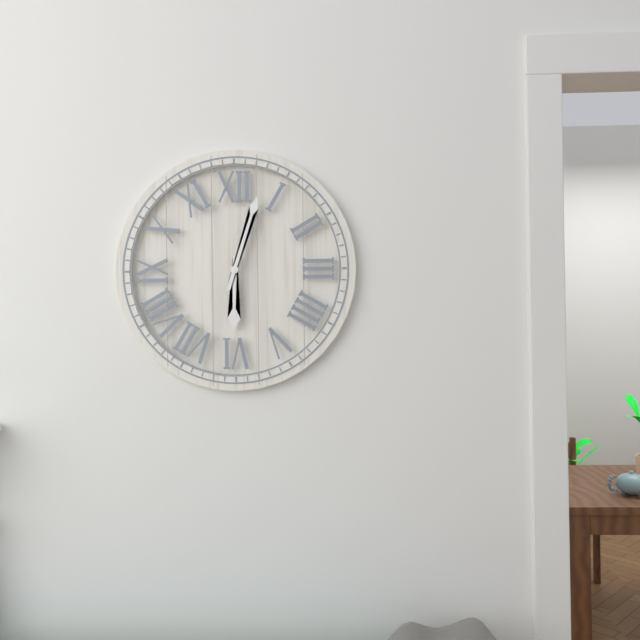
6:03
